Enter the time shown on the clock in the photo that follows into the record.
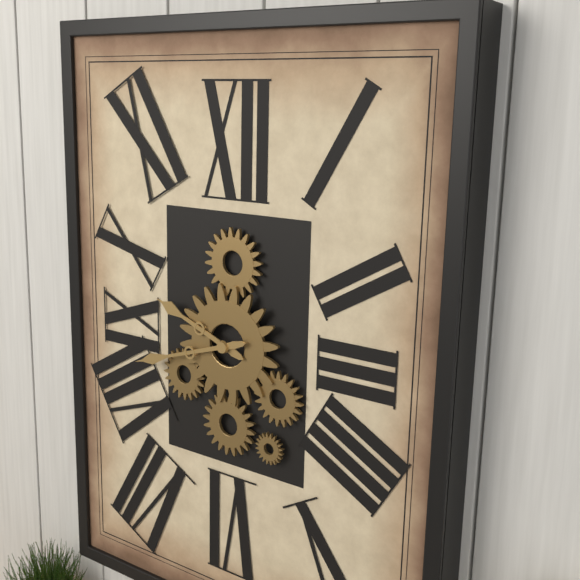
9:42
